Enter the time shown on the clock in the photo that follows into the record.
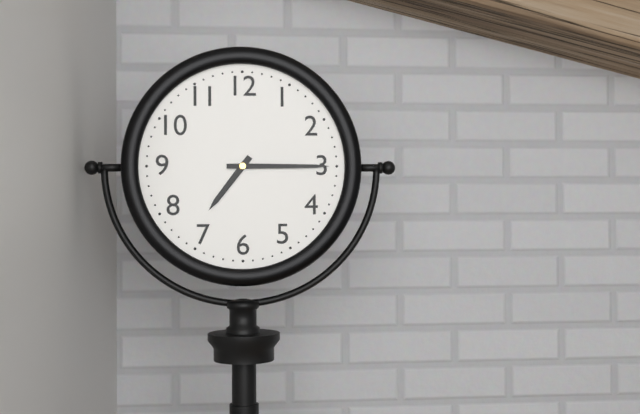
7:15
